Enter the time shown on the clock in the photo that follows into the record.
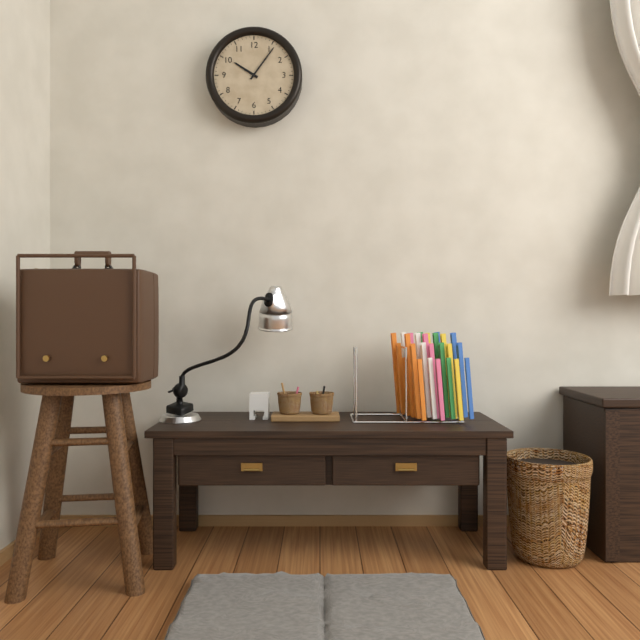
10:06
